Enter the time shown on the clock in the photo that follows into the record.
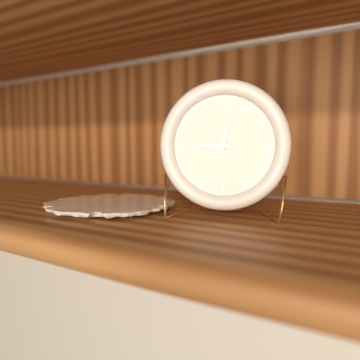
9:02
